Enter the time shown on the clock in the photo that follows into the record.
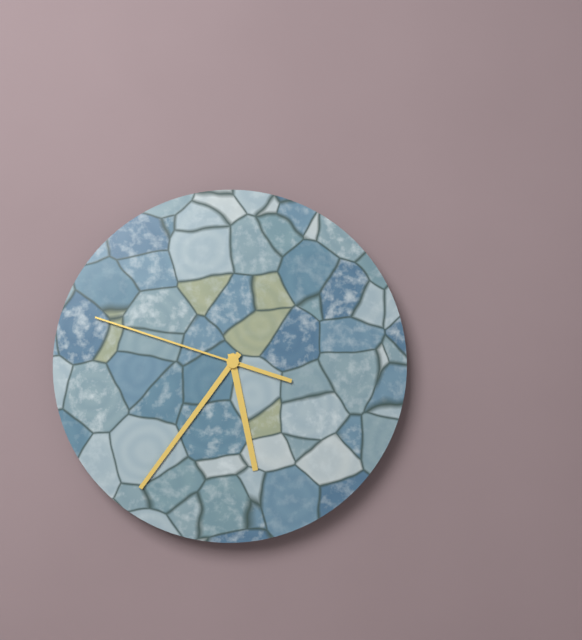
5:36:48
